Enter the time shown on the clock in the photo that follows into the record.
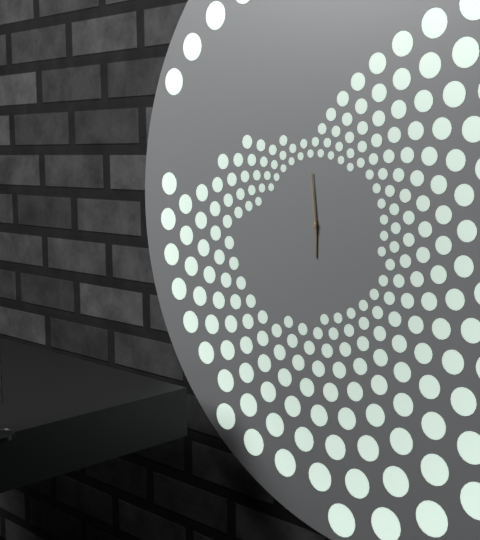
5:59
